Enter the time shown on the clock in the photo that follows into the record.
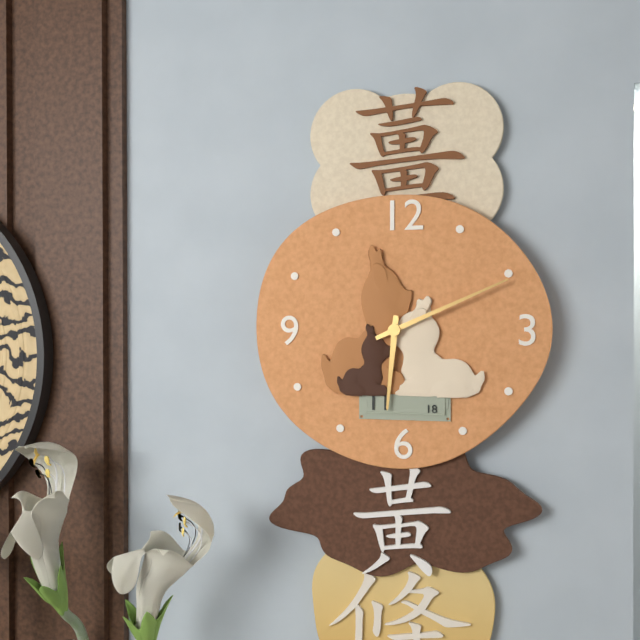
6:11
